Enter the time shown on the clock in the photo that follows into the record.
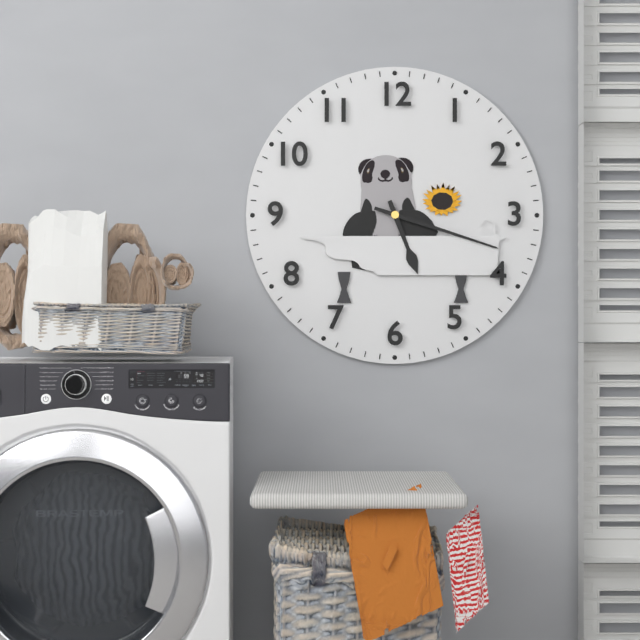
5:18
